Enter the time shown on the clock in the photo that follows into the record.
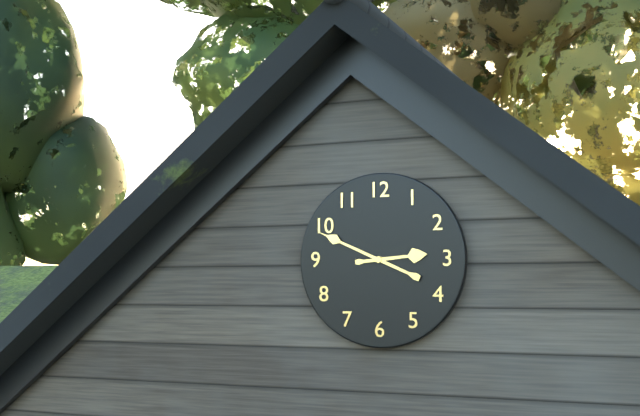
2:49
